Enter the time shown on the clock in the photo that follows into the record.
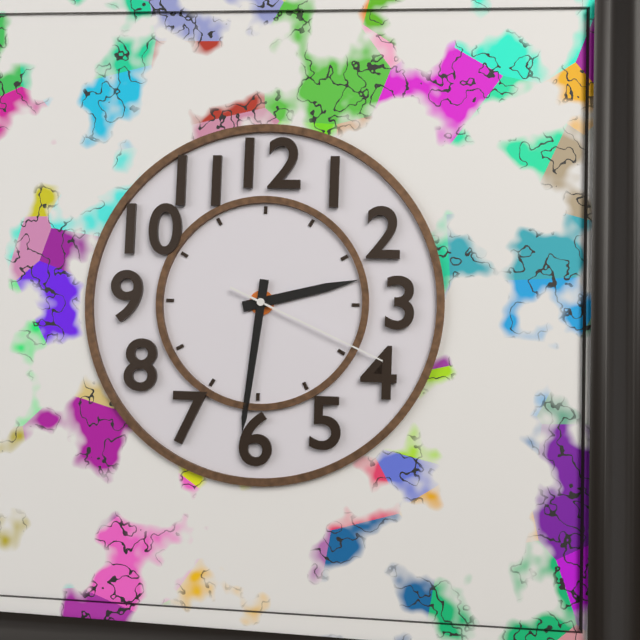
2:31:19
